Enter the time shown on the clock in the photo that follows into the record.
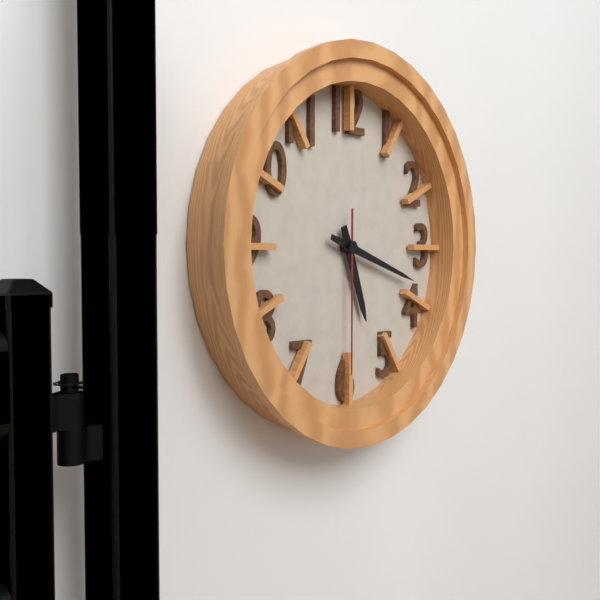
5:18:30
